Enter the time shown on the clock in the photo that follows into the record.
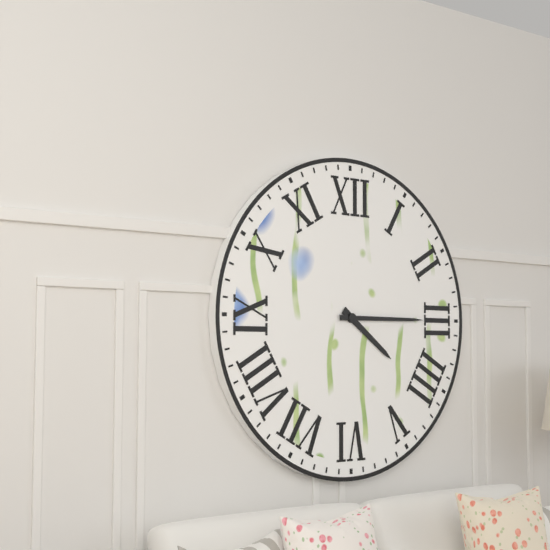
4:15
